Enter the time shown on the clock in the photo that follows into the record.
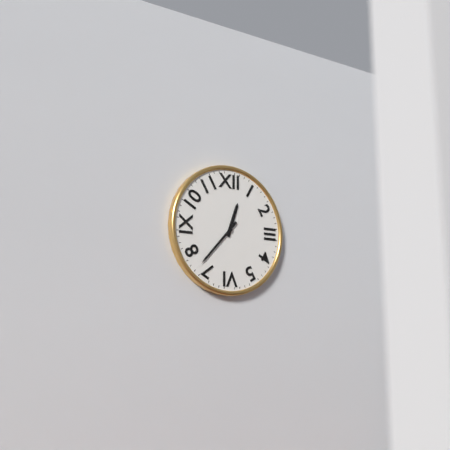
12:37
